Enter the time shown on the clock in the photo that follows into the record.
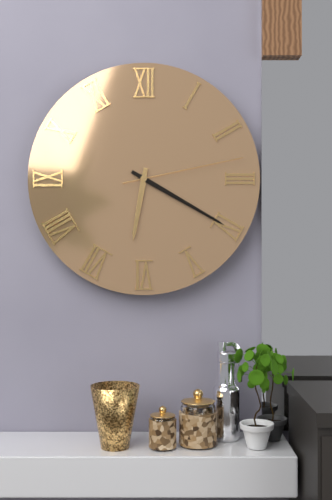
6:20:13
